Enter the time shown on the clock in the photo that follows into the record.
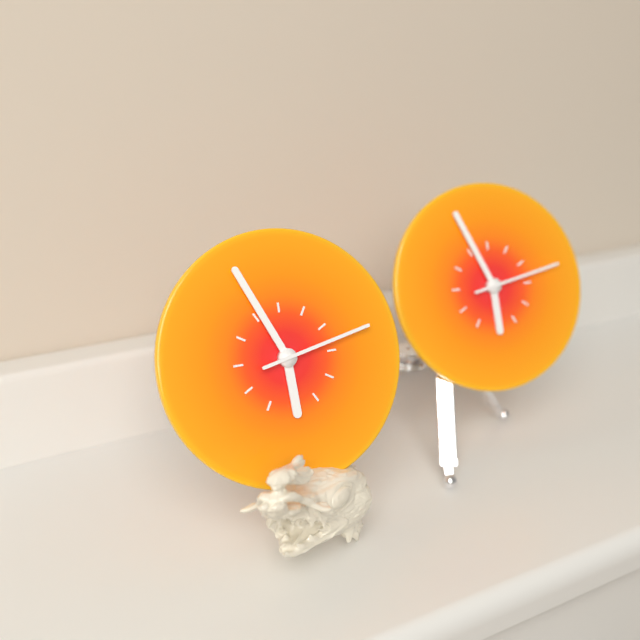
5:56:13
